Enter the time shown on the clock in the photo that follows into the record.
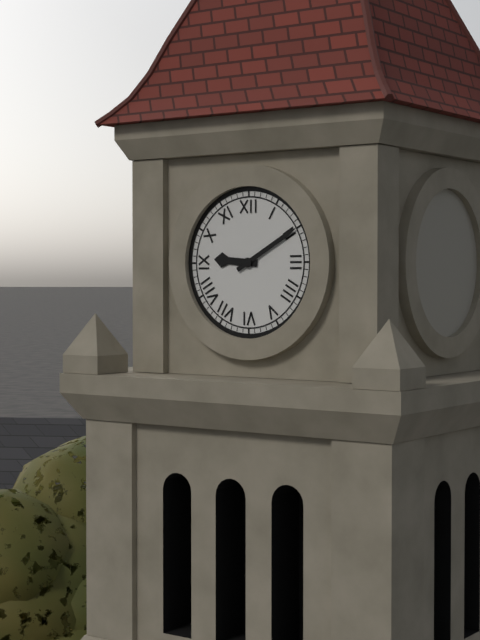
9:10
